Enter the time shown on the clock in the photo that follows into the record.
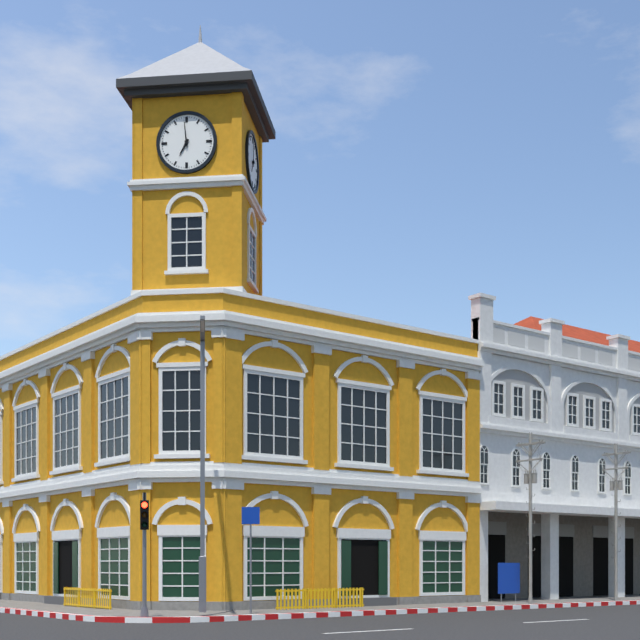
6:59
